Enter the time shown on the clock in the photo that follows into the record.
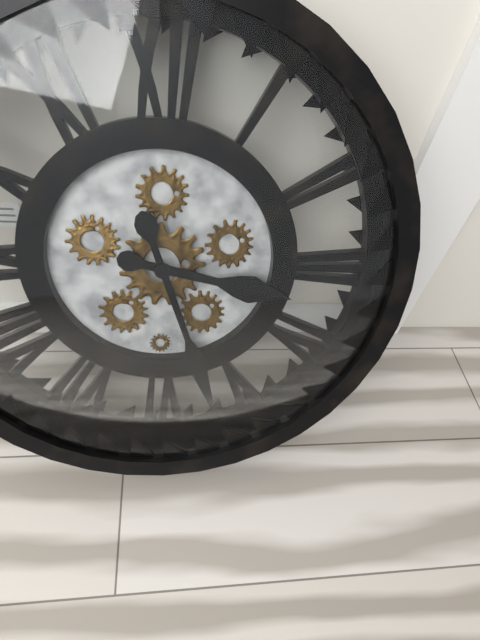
3:27
